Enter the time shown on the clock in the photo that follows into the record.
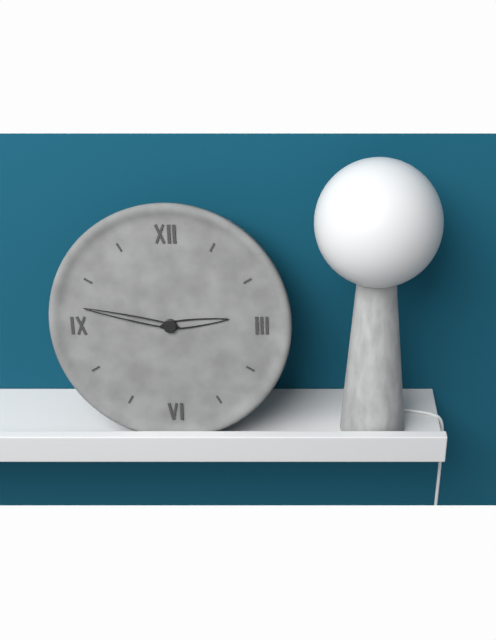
2:47
